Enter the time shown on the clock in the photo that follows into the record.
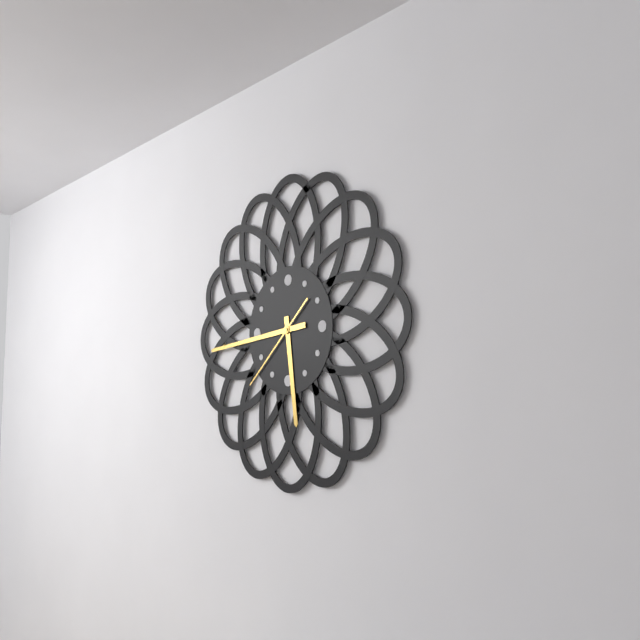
5:44:38
